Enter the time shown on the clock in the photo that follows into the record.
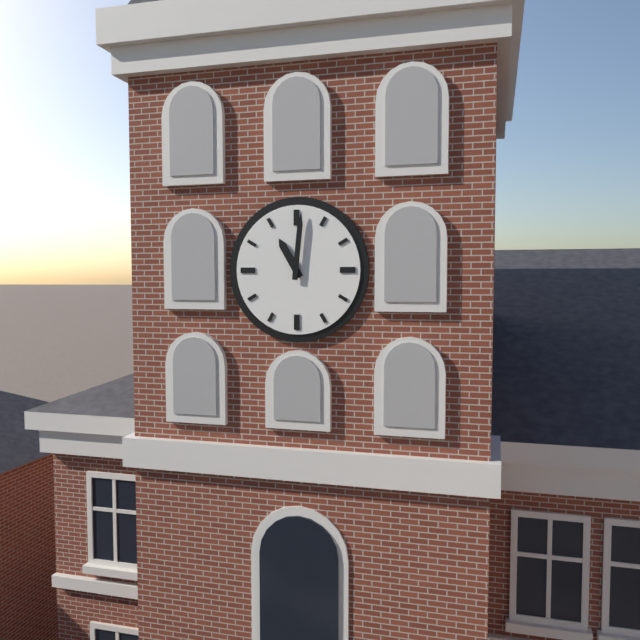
11:01
